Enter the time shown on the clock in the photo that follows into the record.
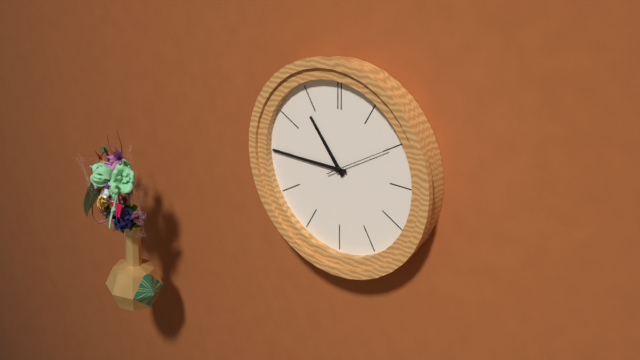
10:45:10
